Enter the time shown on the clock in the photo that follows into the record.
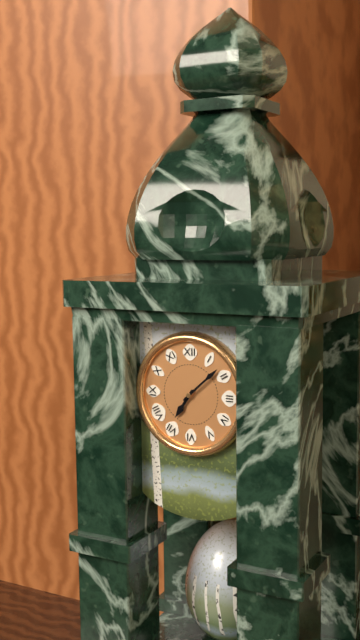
7:08
